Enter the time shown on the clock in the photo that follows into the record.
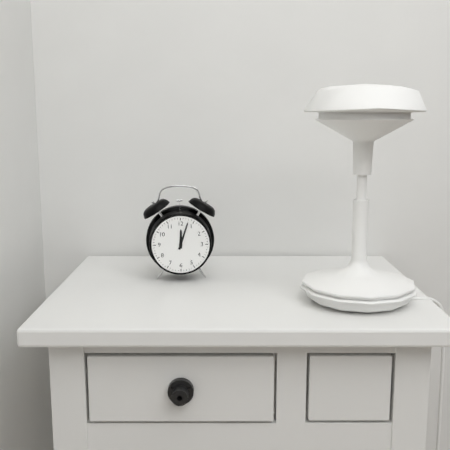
12:03
